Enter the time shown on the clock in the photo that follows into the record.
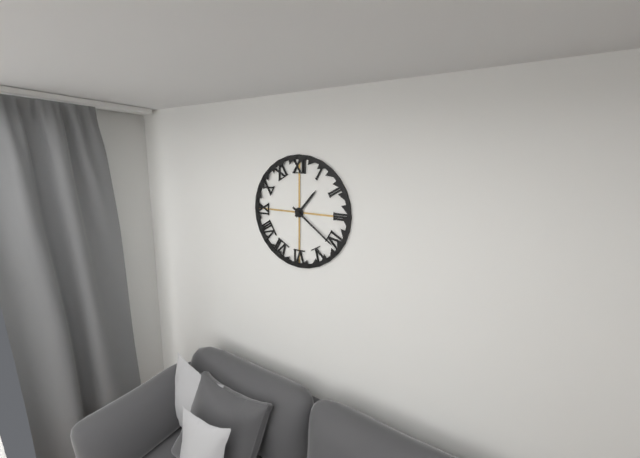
1:21
